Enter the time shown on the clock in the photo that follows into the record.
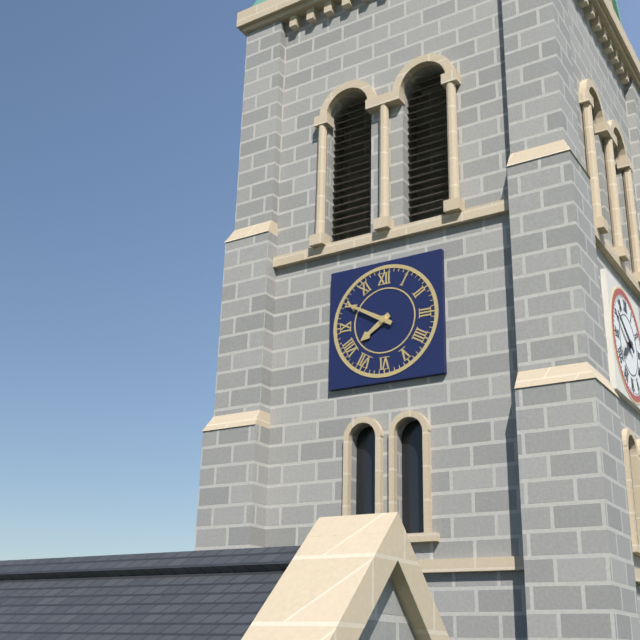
7:50
